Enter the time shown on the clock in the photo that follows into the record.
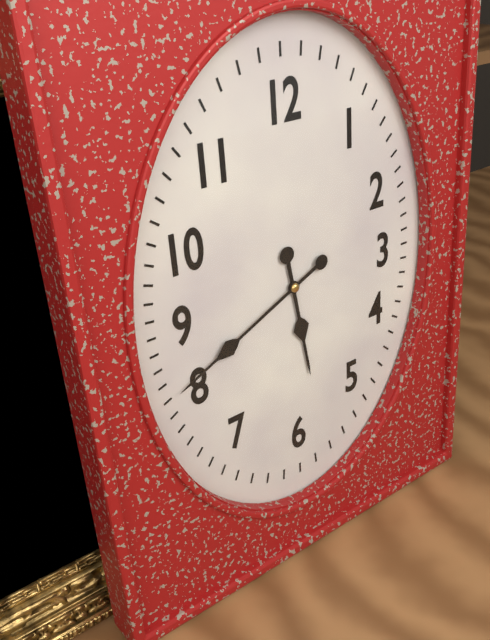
5:41
